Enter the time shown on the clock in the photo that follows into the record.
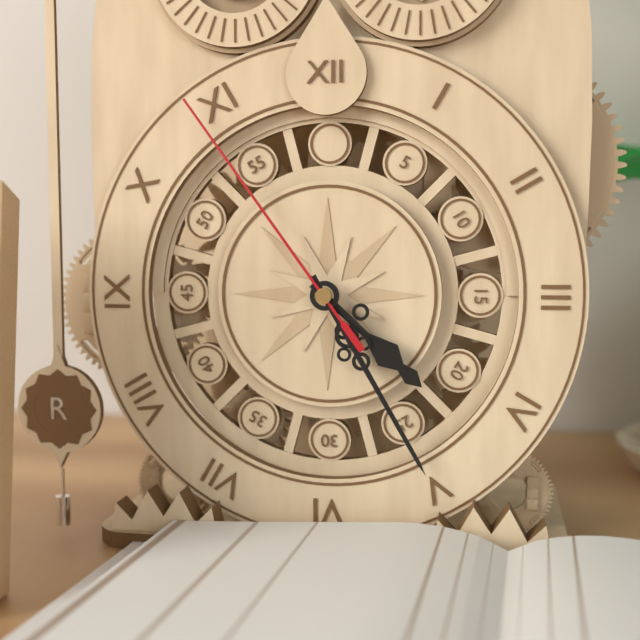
4:25:54
